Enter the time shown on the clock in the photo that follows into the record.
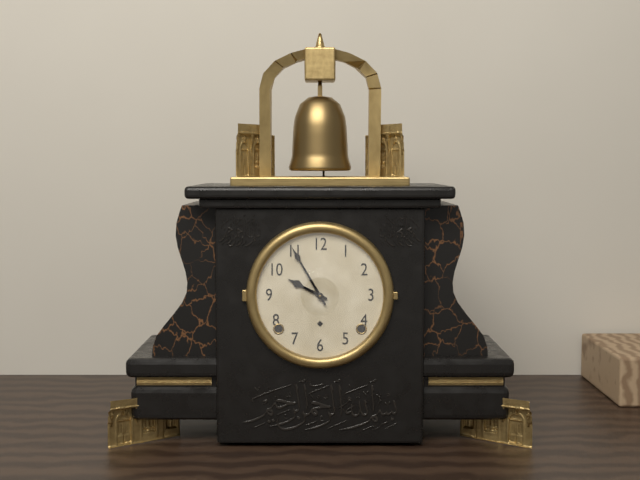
9:55
